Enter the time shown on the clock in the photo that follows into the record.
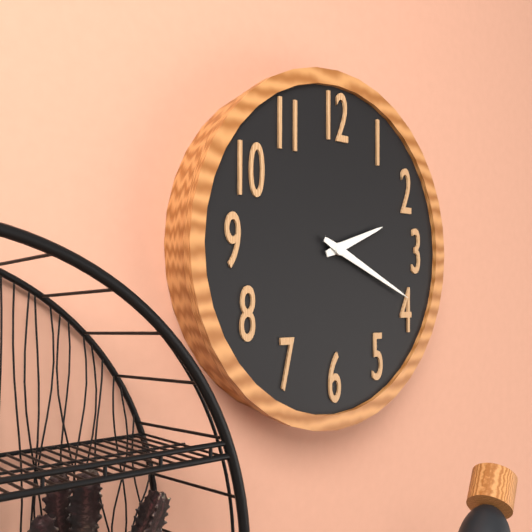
2:19
